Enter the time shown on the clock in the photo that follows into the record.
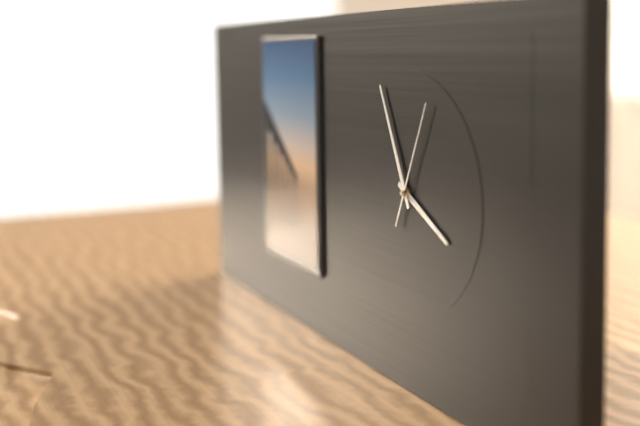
3:56:04
